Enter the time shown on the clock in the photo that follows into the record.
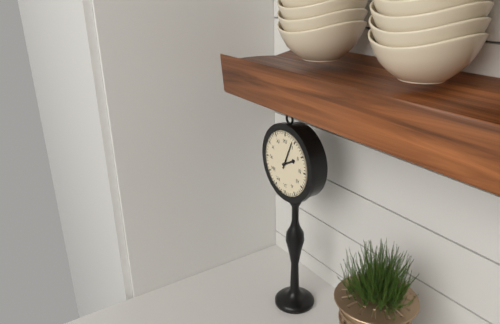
2:04
